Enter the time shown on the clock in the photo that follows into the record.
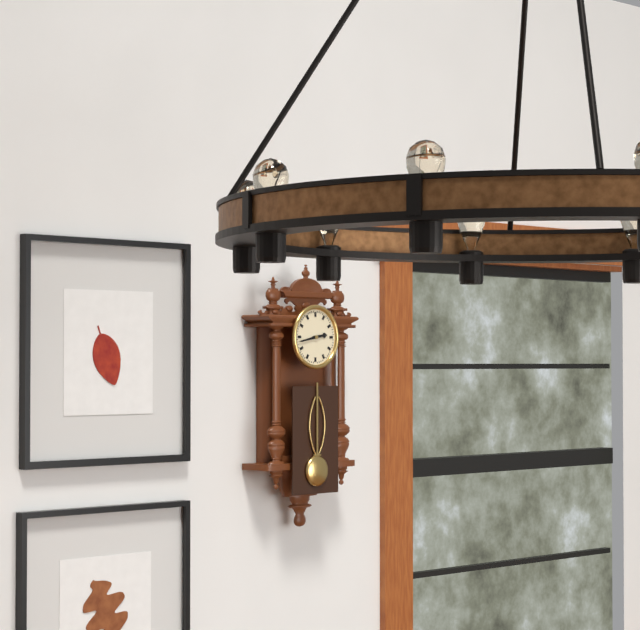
2:43
